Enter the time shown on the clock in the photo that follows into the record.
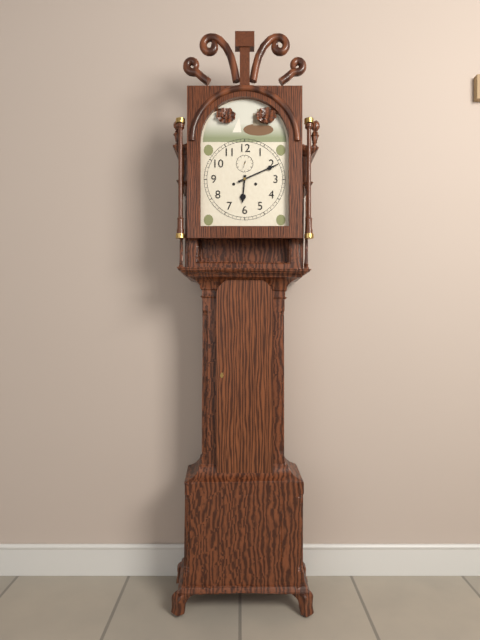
6:11
